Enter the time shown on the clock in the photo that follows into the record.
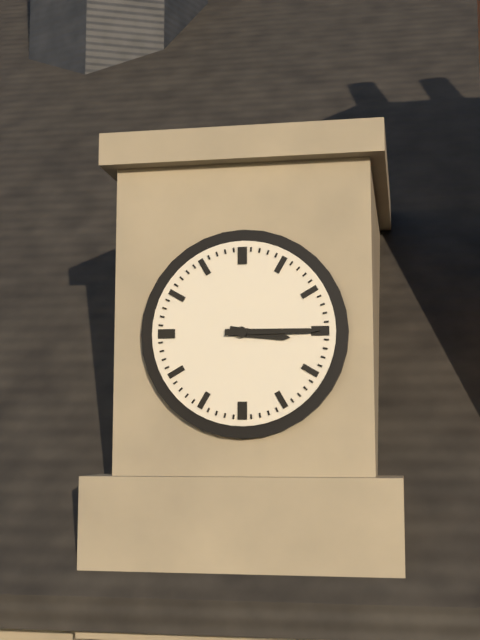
3:15
